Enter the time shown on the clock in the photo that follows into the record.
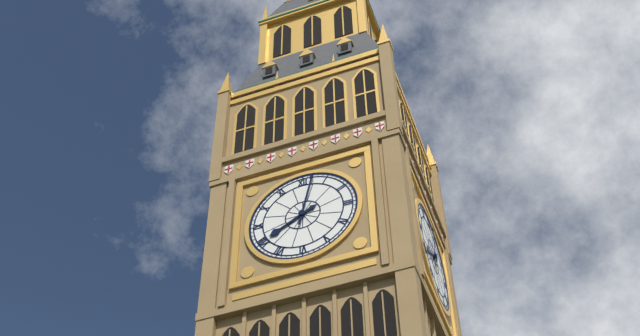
8:02
